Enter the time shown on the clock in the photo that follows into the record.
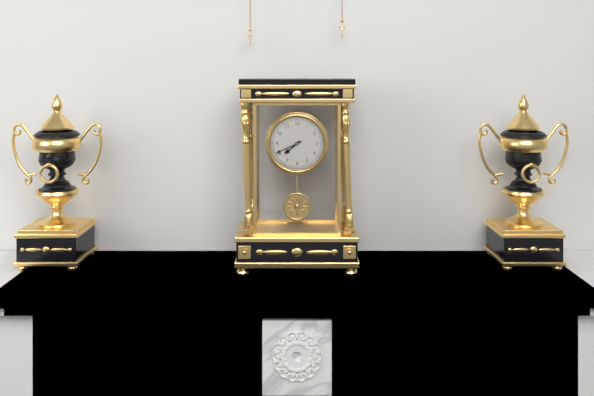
7:41
